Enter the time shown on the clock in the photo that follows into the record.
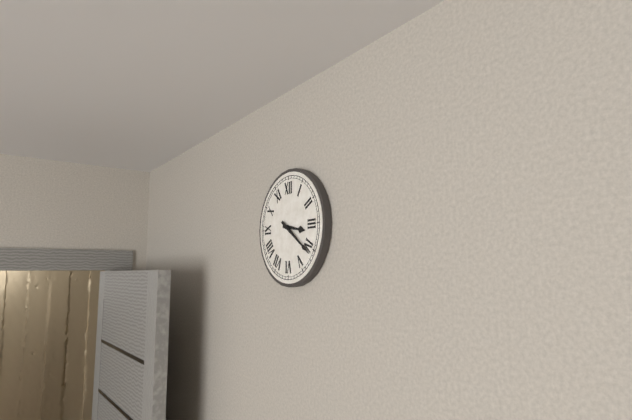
3:21
